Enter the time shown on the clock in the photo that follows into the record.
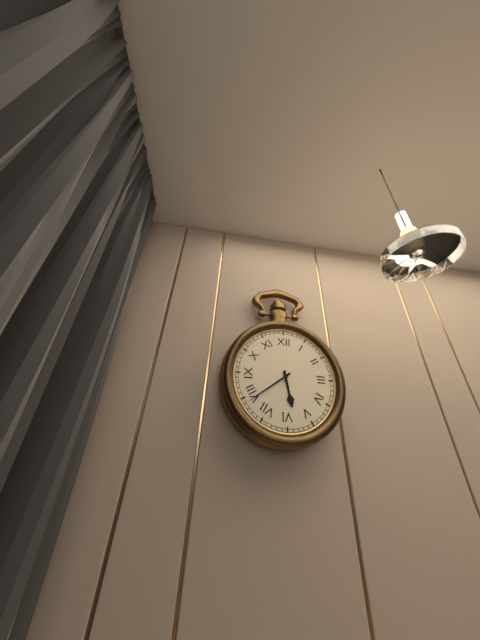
5:39
